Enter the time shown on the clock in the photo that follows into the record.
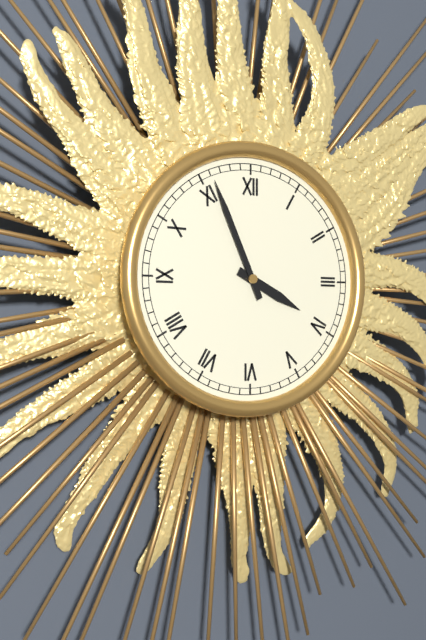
3:56
